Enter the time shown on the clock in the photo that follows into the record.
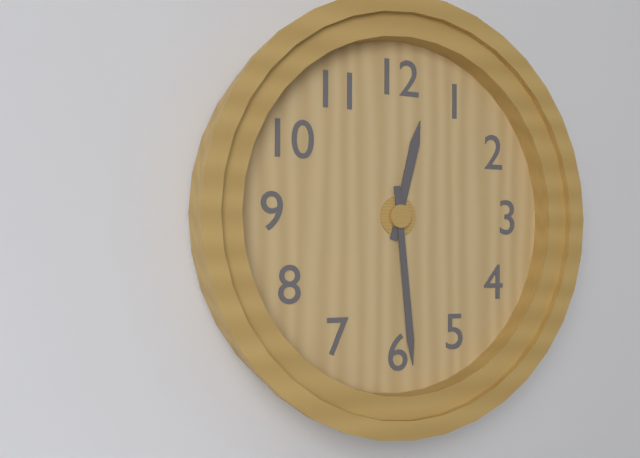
12:29
